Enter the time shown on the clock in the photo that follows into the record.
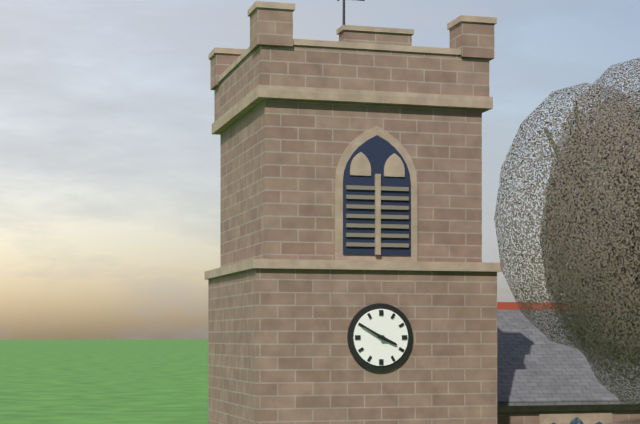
3:50
